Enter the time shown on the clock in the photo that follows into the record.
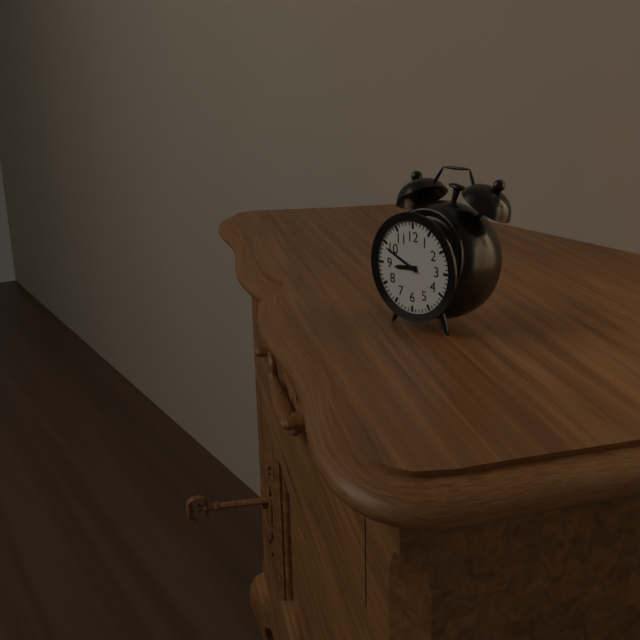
8:49
